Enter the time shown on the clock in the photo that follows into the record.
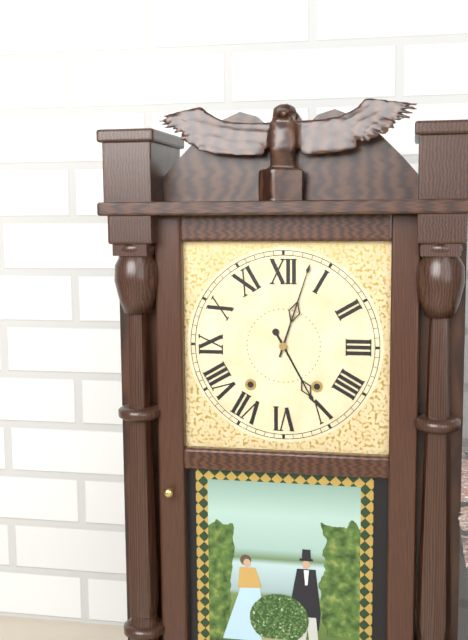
5:03
